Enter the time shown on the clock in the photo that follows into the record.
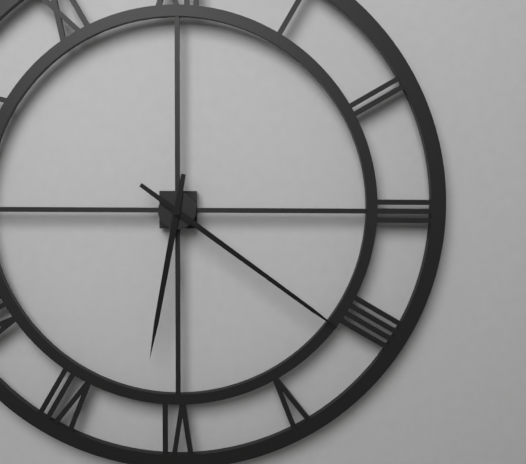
6:21
